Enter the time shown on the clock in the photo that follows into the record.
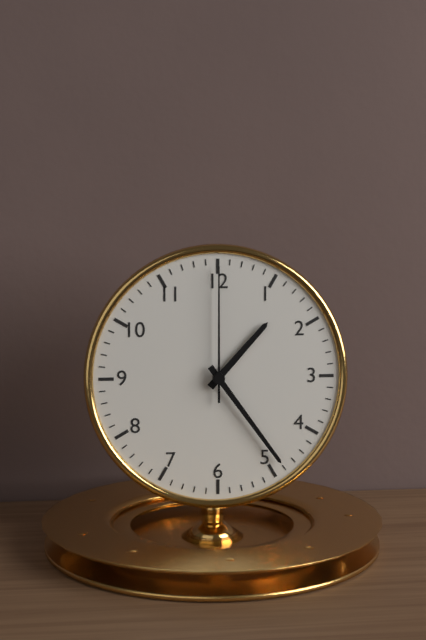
1:24:00
